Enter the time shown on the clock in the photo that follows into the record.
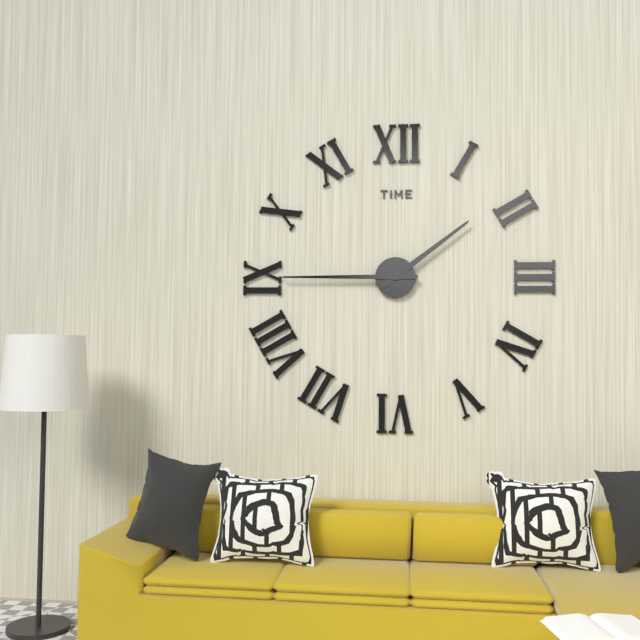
1:45
